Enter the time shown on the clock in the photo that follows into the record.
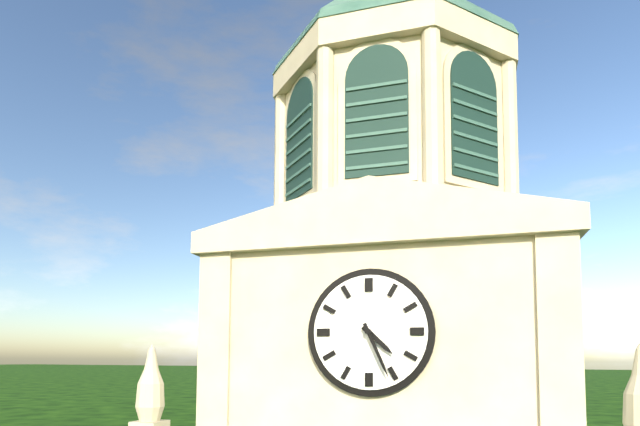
4:26
